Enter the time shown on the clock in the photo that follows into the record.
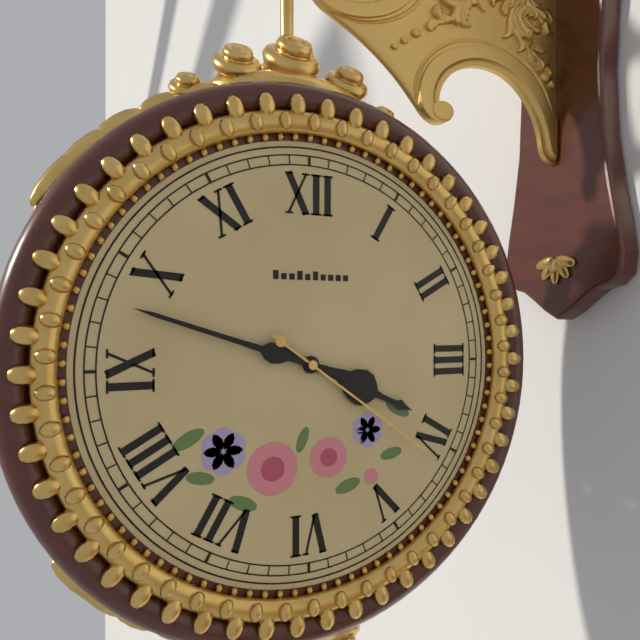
3:48:21
